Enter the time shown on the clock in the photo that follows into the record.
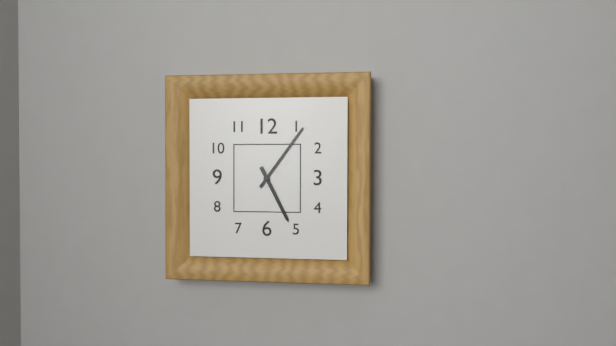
5:06
